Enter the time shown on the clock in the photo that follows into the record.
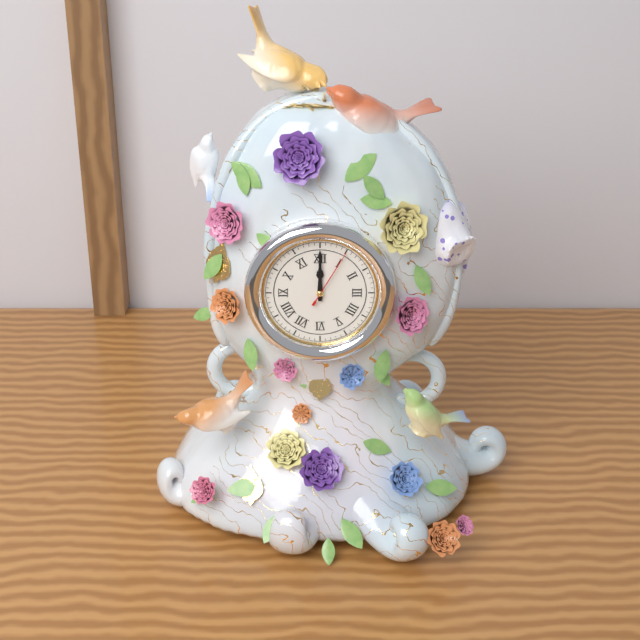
12:00:05
